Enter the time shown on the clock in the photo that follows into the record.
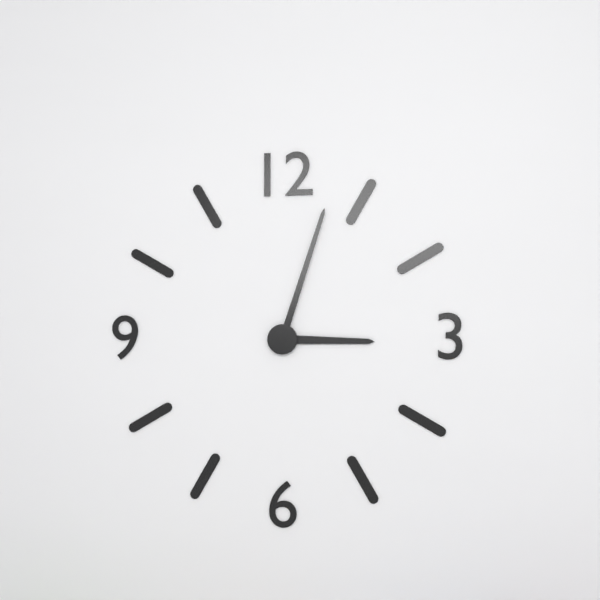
3:03
